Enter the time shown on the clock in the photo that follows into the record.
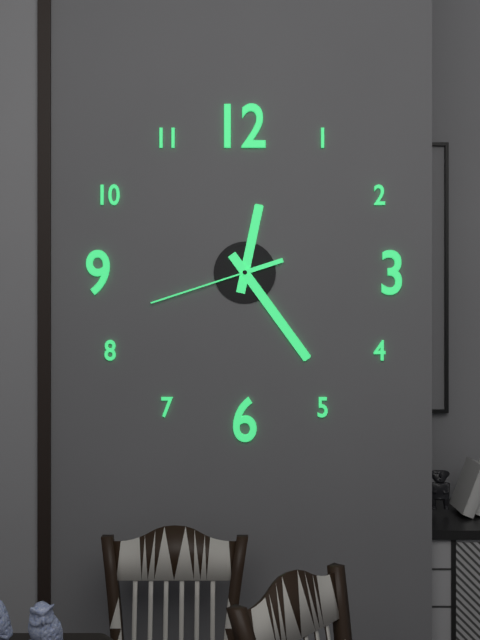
12:24:42
